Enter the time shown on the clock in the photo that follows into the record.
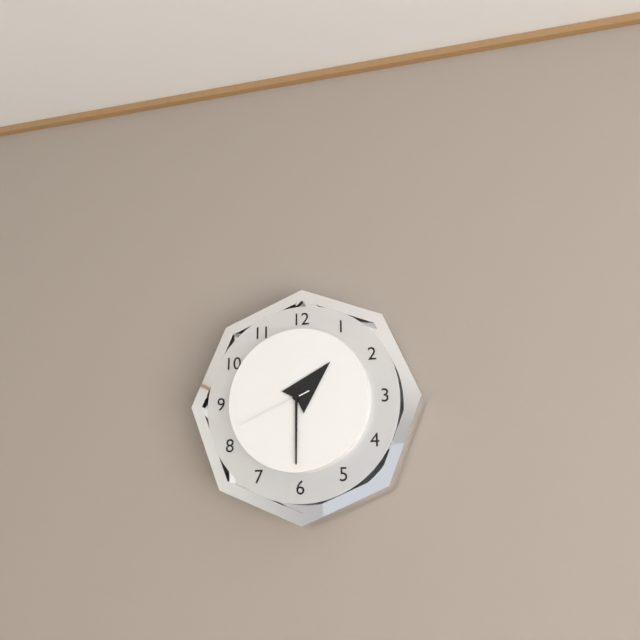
1:30:41
